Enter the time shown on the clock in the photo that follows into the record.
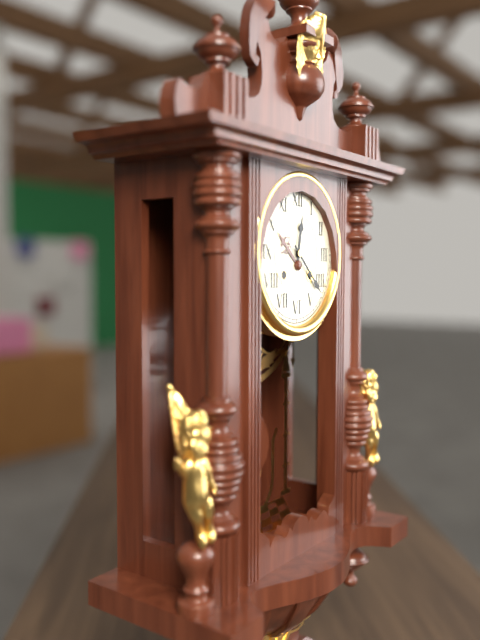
12:22
